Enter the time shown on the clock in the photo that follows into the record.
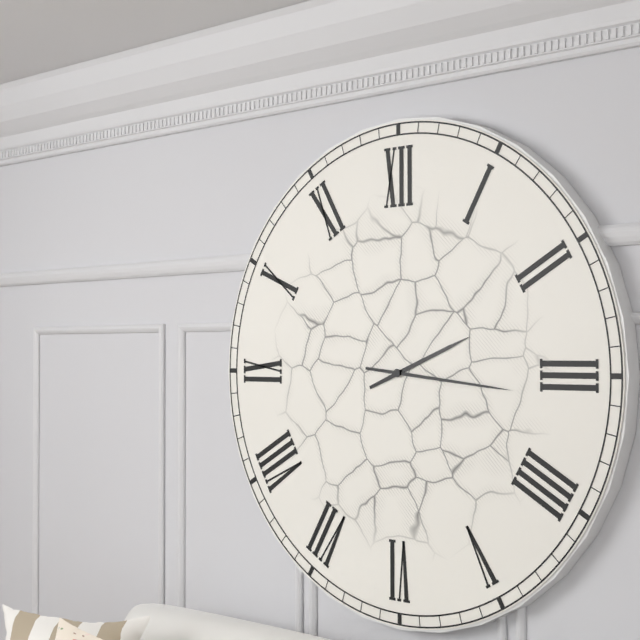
2:16
